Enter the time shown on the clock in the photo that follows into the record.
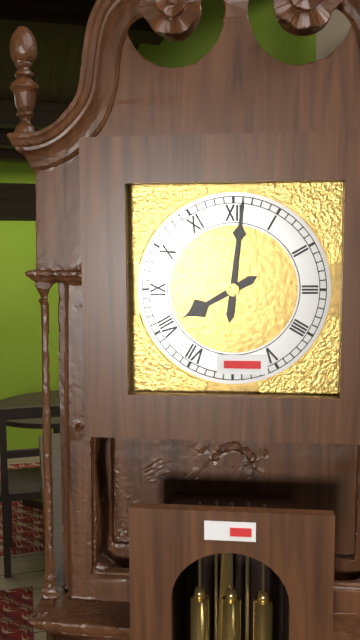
8:01
